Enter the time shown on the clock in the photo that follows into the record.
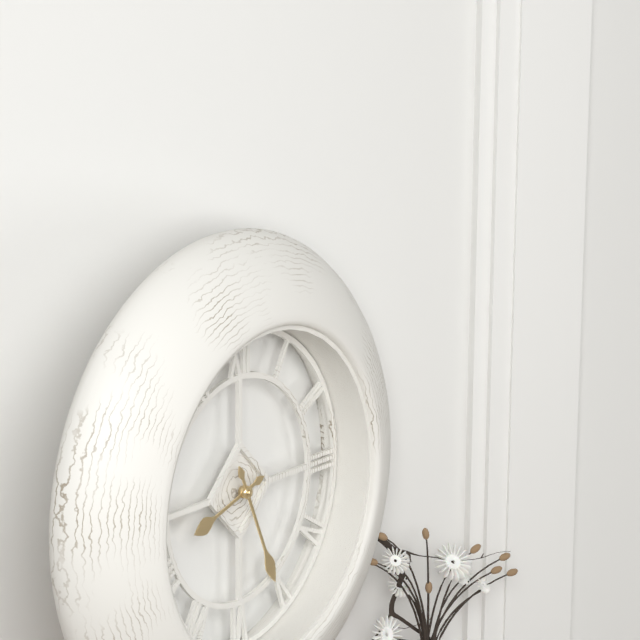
8:26
